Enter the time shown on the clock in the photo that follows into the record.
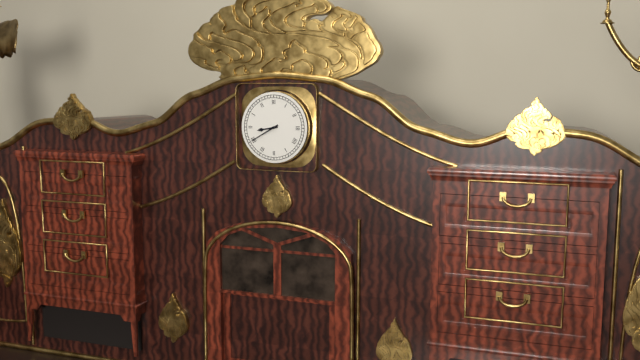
8:40
